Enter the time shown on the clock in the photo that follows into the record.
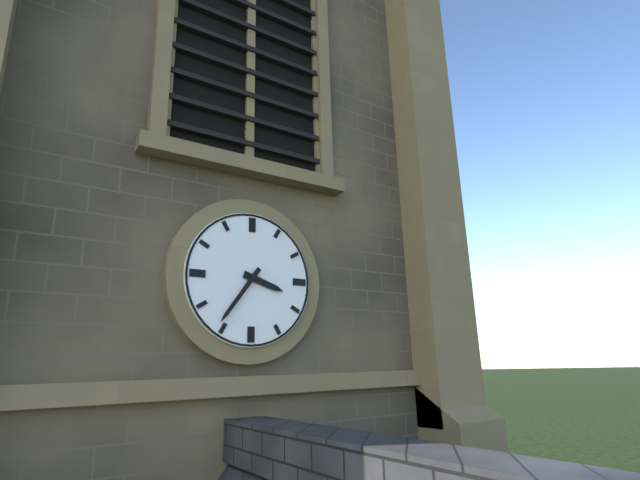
3:36
